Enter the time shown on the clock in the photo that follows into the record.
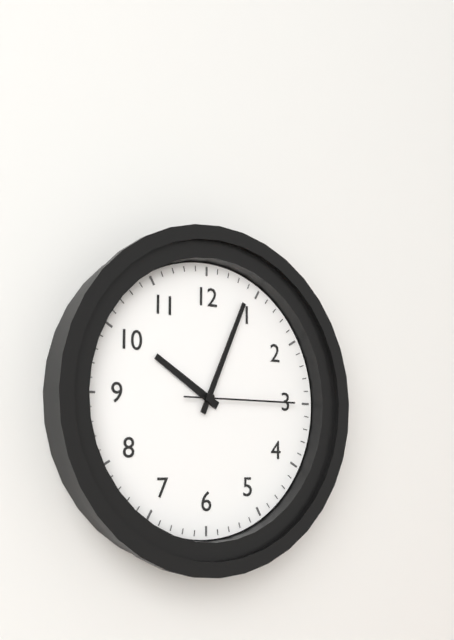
10:04:15
